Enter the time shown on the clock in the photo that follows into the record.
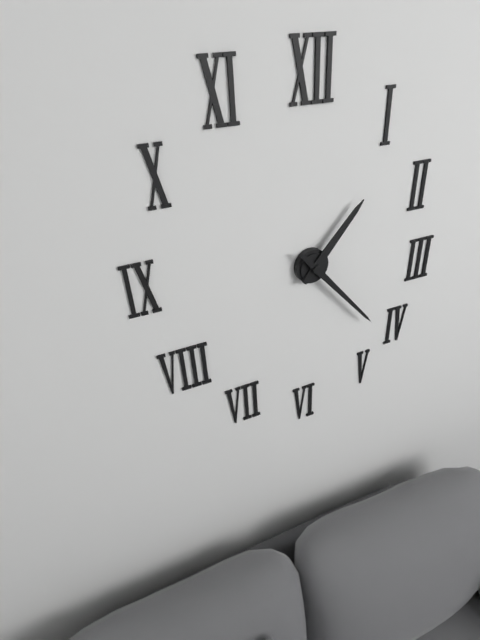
1:23
